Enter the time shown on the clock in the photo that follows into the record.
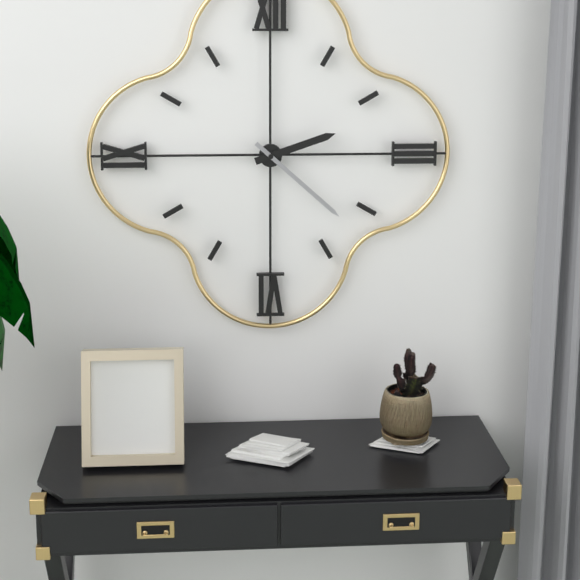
2:22
